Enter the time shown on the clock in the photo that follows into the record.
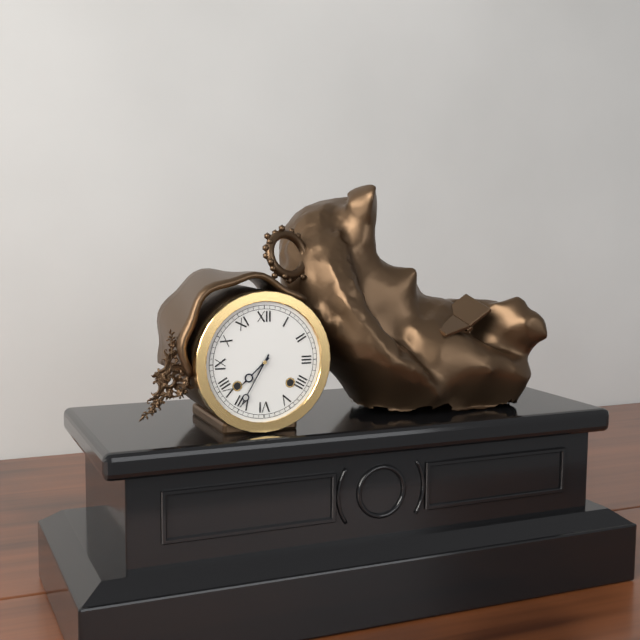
7:35
